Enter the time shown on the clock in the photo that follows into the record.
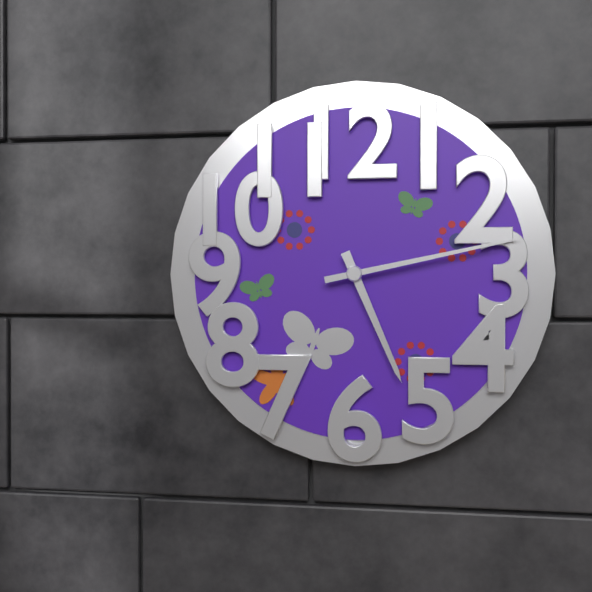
5:13
